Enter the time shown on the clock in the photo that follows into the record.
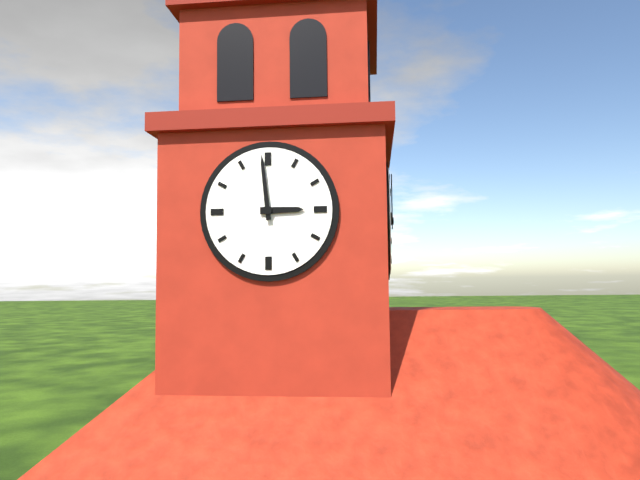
2:59
